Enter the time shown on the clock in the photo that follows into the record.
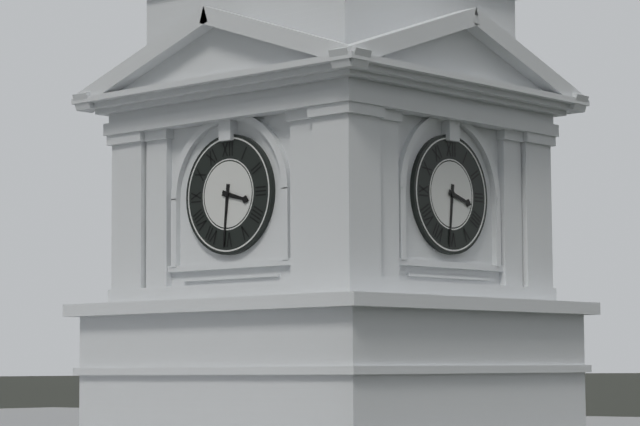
3:31
